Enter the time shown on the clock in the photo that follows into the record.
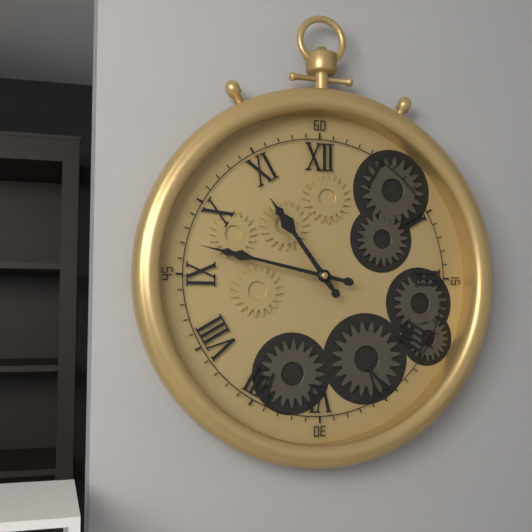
10:47
